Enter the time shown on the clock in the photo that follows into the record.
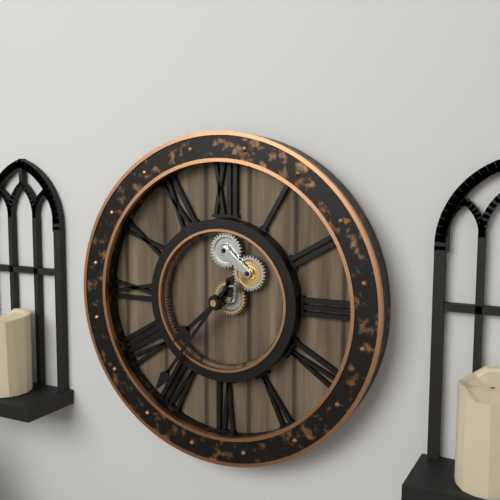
7:36
